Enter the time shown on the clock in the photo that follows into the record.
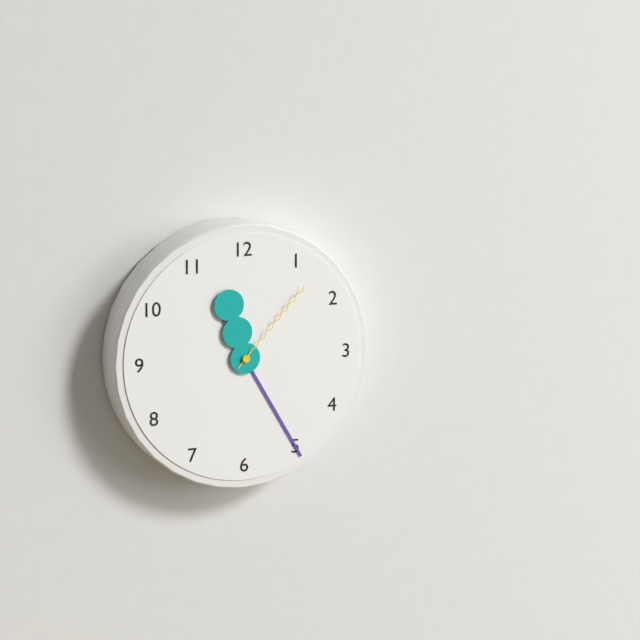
11:25:07
